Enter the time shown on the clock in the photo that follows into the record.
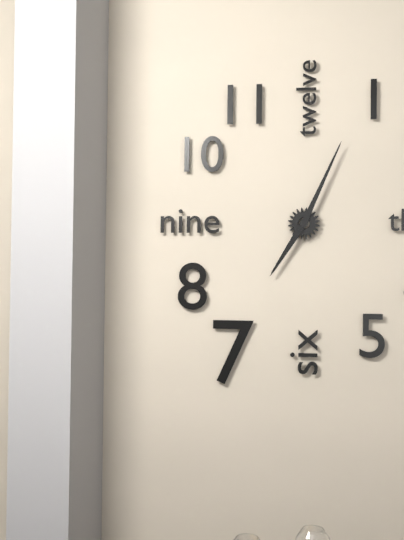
7:04
